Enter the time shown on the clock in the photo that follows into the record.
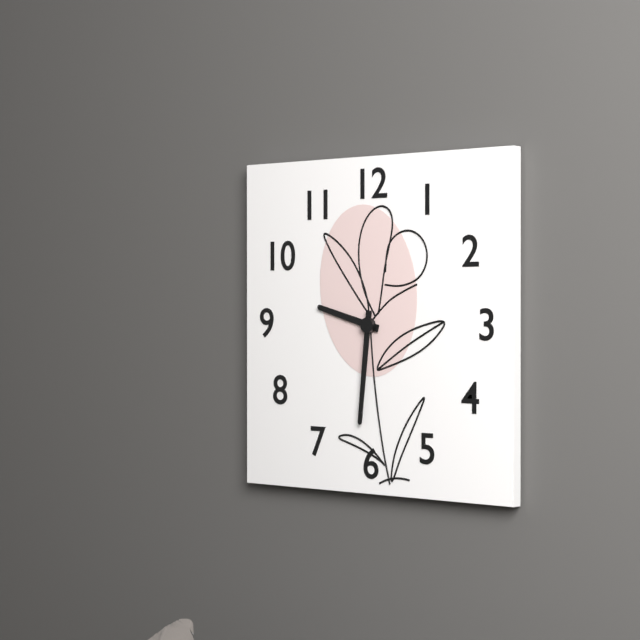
9:31
